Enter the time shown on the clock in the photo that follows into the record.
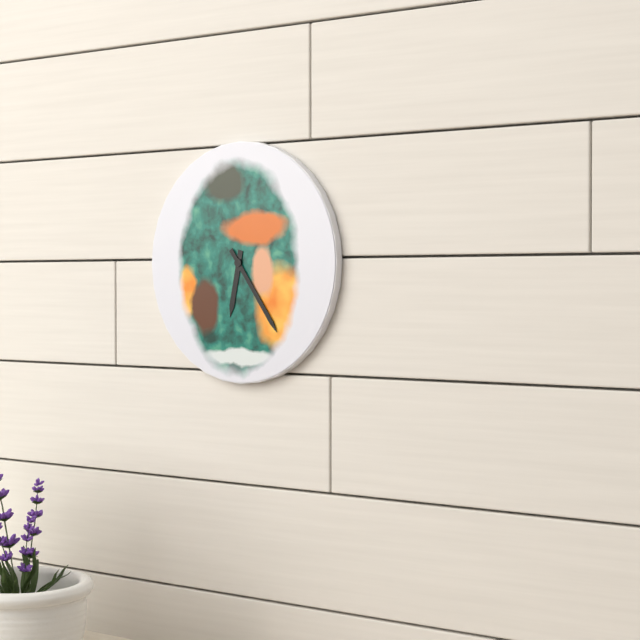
6:24
